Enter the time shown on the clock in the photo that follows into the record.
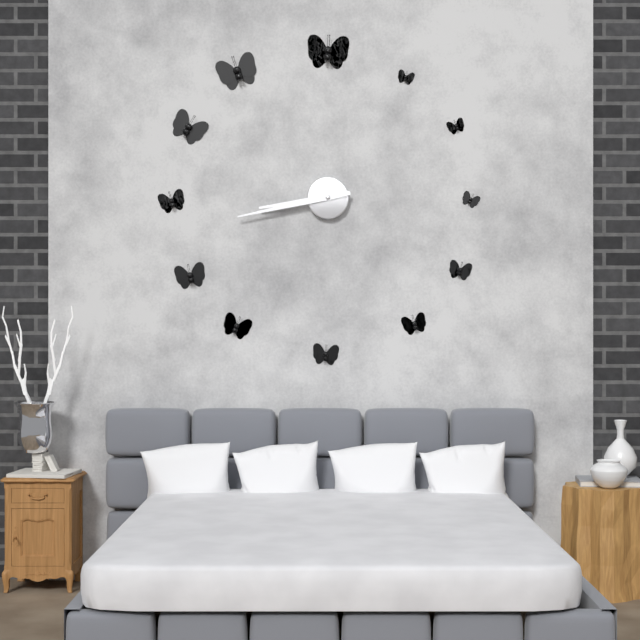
8:43
